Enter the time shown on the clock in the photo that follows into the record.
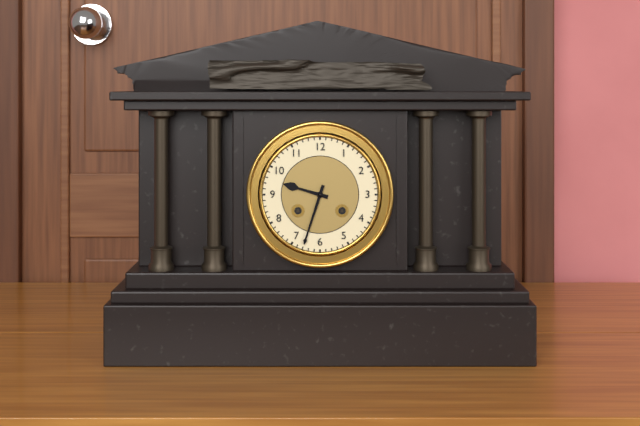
9:33
